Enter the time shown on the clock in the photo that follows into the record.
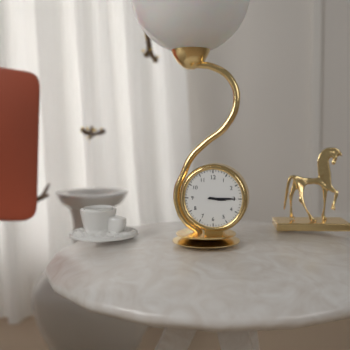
3:15
